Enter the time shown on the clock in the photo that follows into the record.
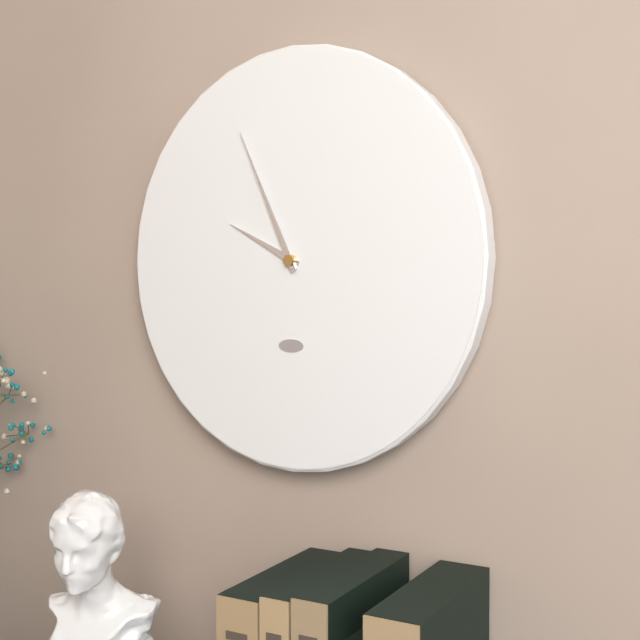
9:56
